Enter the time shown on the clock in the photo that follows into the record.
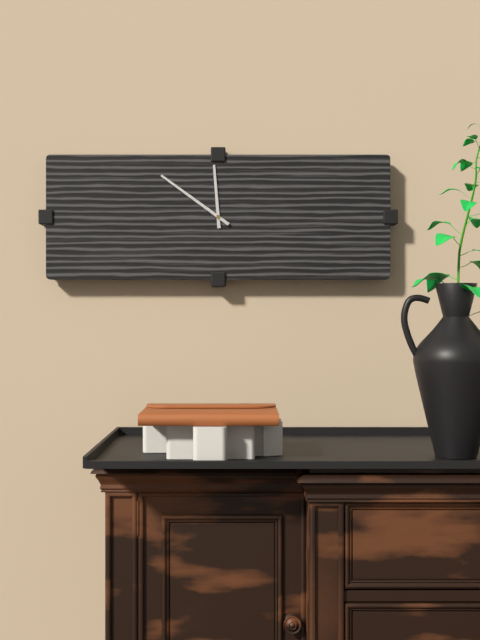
11:51
